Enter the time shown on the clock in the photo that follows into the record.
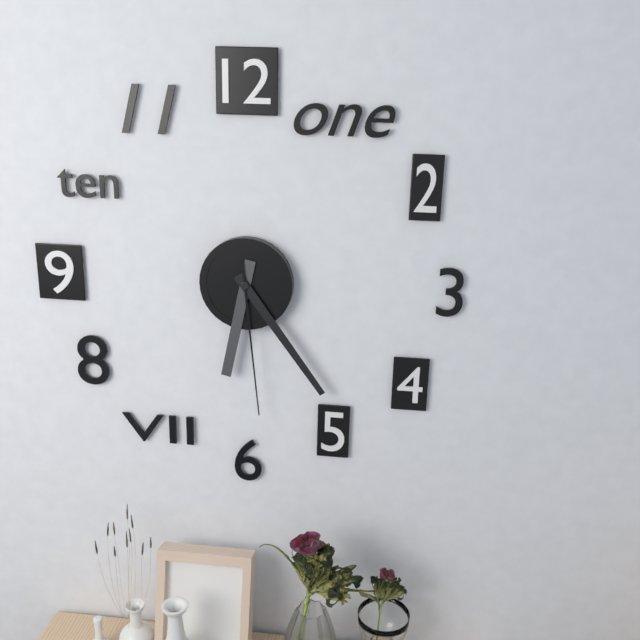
6:24:29
